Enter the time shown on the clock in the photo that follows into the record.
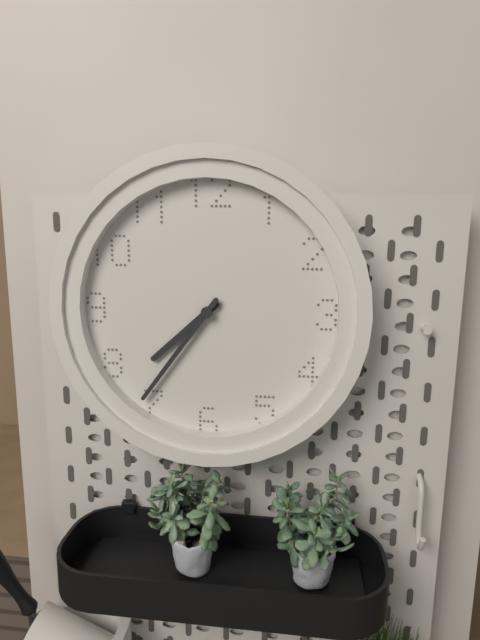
7:36
